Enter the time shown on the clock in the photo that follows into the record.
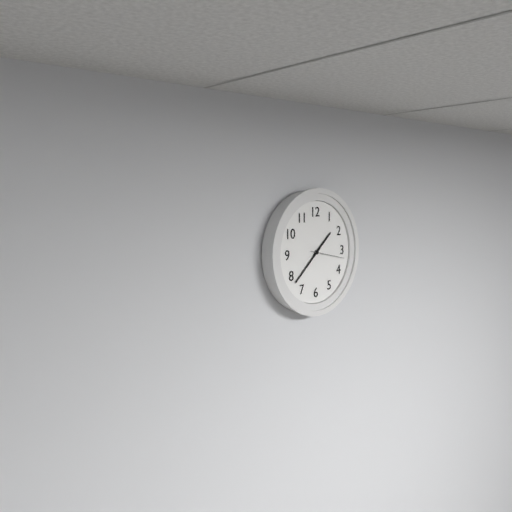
1:38
